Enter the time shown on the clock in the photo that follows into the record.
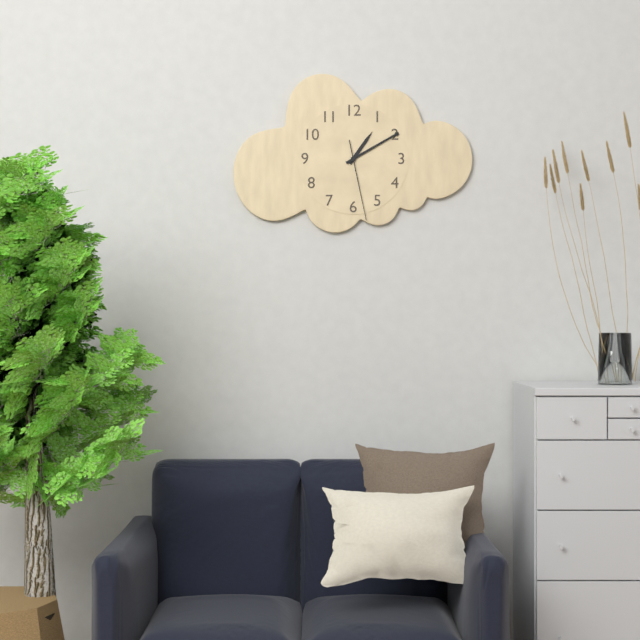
1:10:28
